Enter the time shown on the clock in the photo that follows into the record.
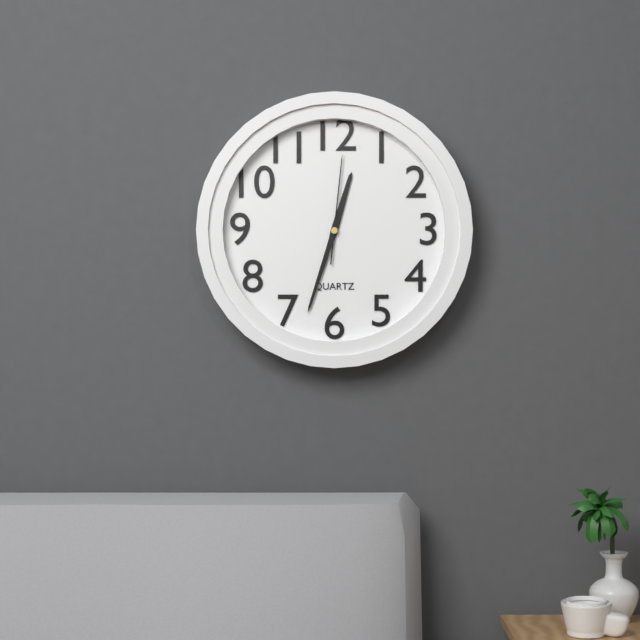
12:33:01
